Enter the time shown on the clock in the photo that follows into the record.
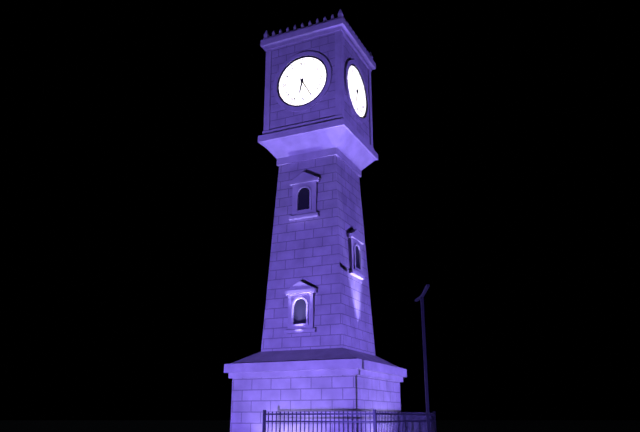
6:25
